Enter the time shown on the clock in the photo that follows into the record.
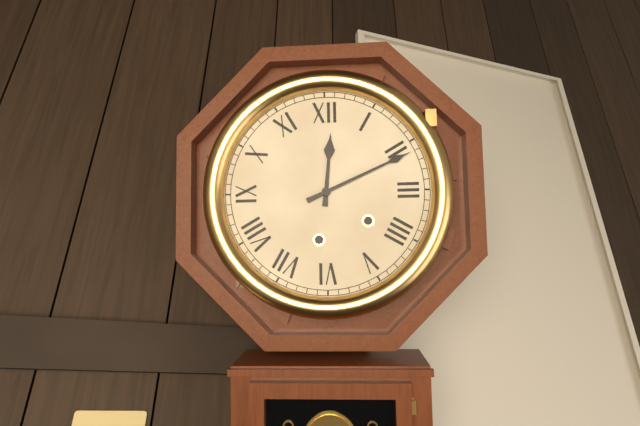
12:11
